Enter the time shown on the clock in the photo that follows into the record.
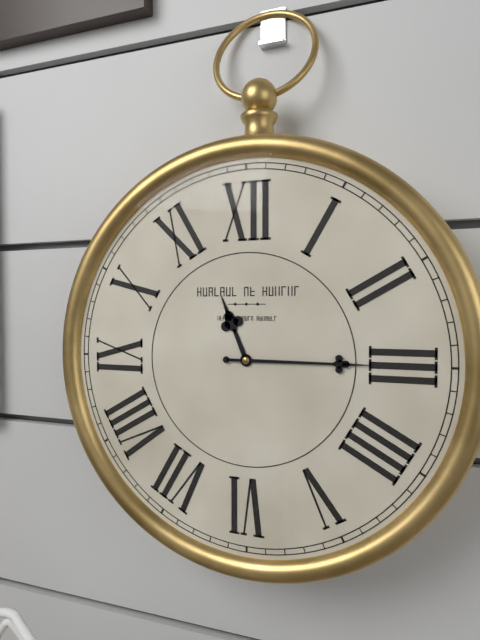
11:15
